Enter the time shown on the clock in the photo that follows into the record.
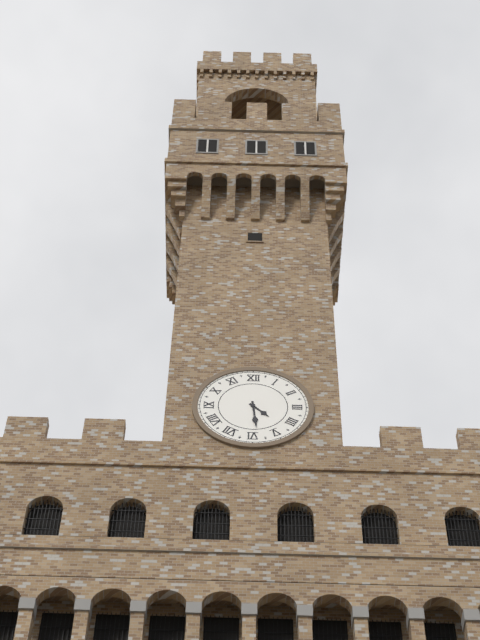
4:29
